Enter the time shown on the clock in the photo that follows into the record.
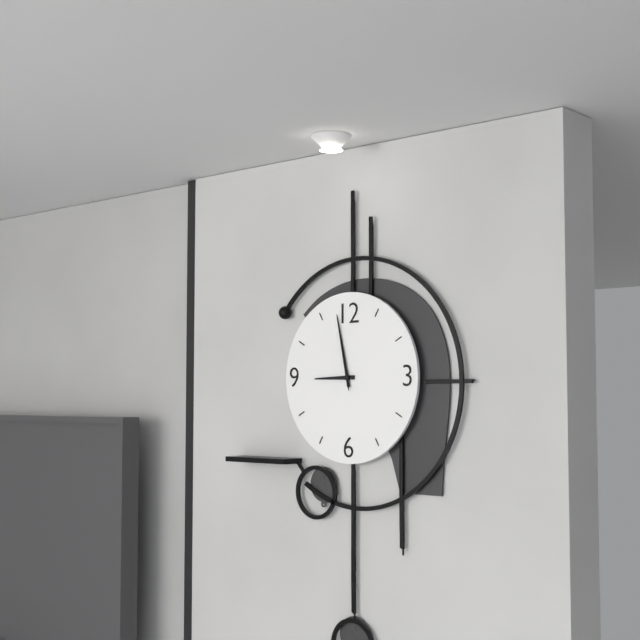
8:58:58
